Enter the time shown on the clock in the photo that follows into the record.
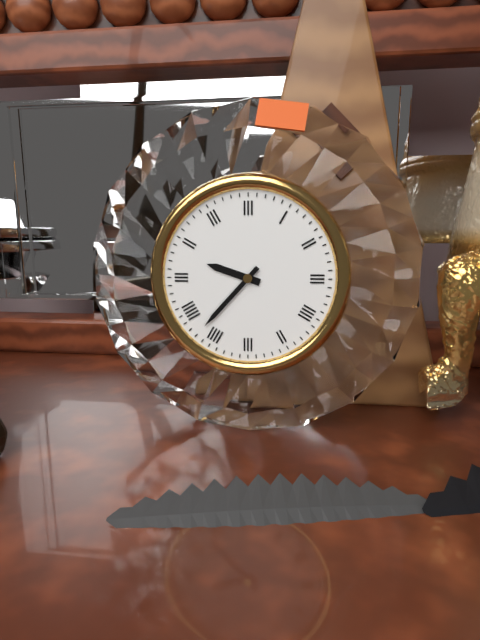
9:37
